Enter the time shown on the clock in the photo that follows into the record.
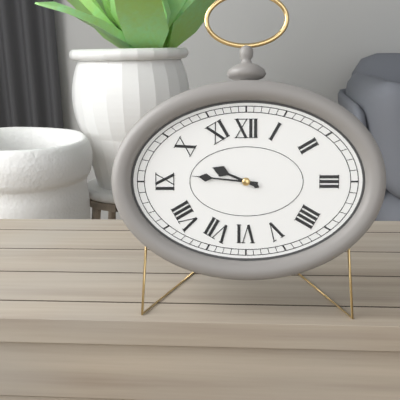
9:46
